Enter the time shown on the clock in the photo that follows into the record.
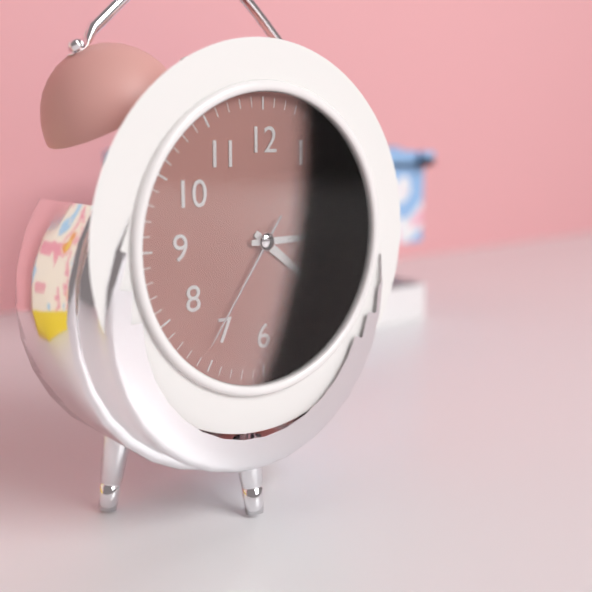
4:15:36
